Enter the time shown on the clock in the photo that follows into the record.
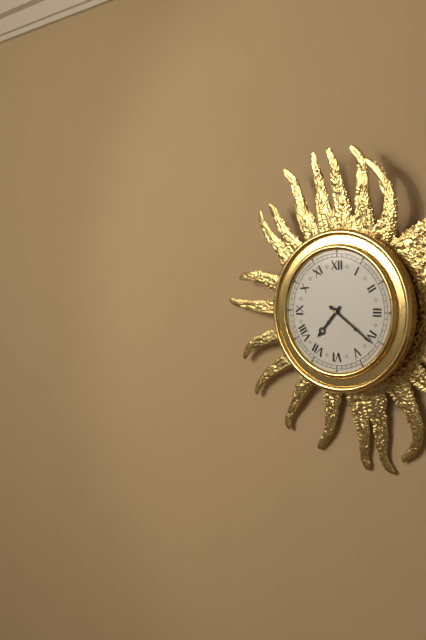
7:21
